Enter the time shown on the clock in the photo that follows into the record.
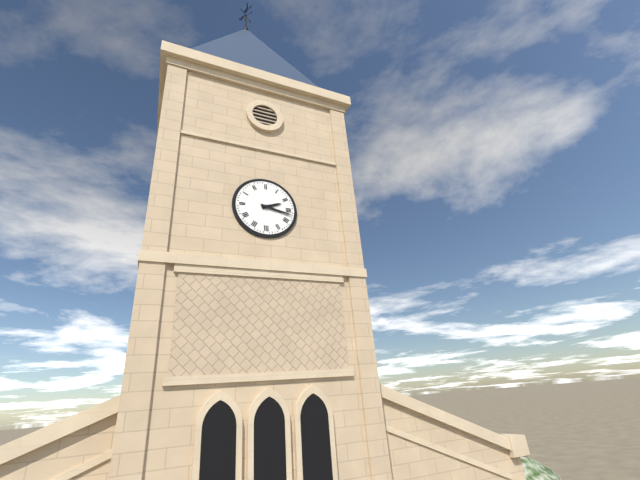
2:17
